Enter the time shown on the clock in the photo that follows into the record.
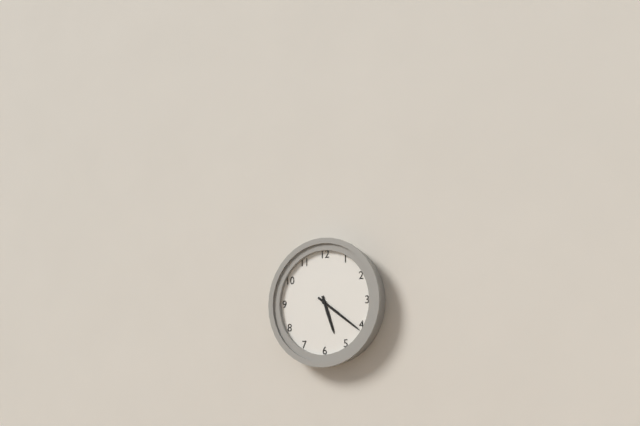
5:21
